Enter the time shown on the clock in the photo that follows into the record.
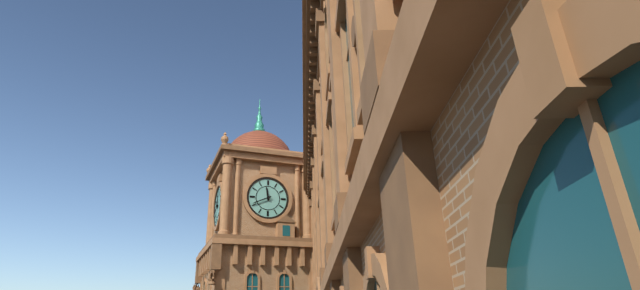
11:41
